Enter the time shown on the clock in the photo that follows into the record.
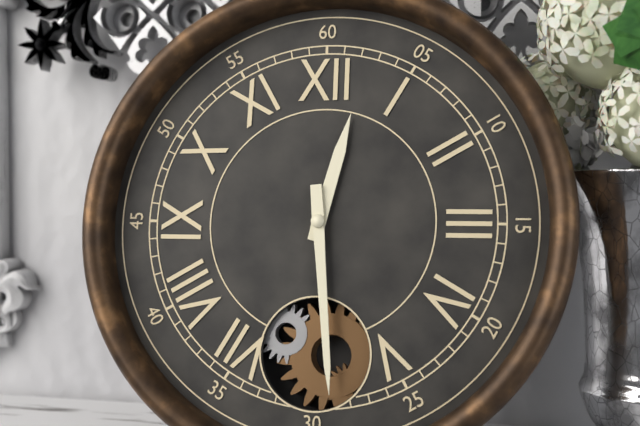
12:29
